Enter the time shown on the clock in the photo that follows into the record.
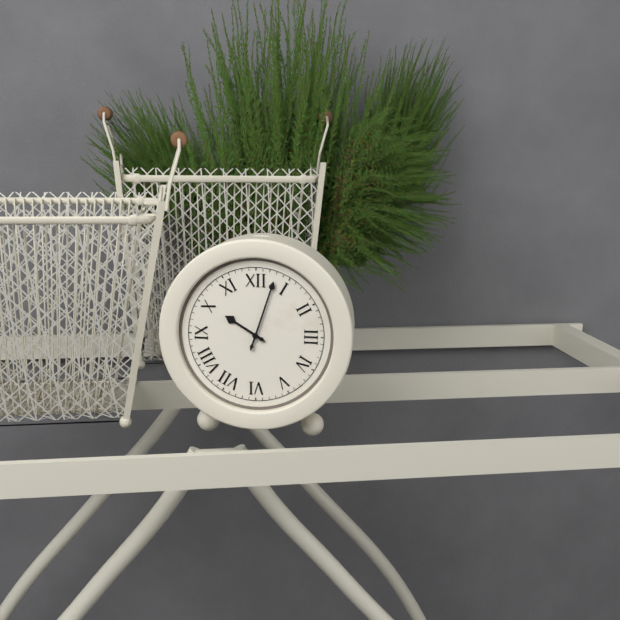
10:03
